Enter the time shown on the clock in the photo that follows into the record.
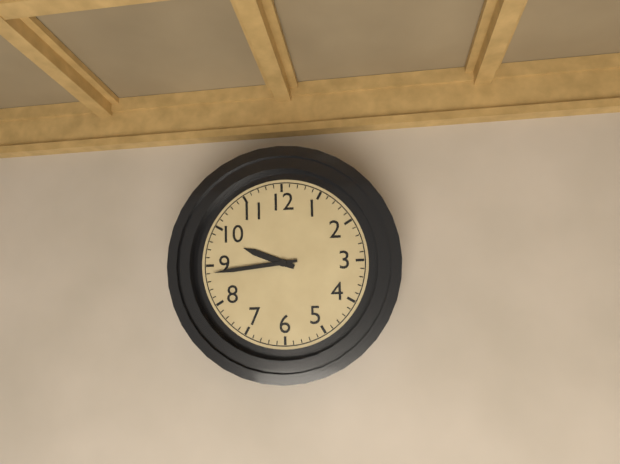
9:44
